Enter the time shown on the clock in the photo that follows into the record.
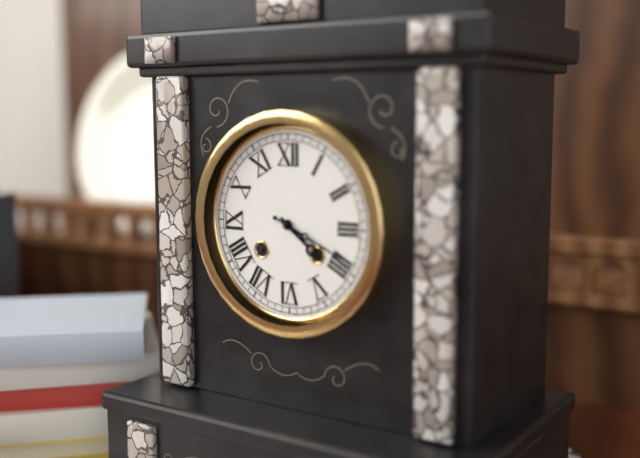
4:19
